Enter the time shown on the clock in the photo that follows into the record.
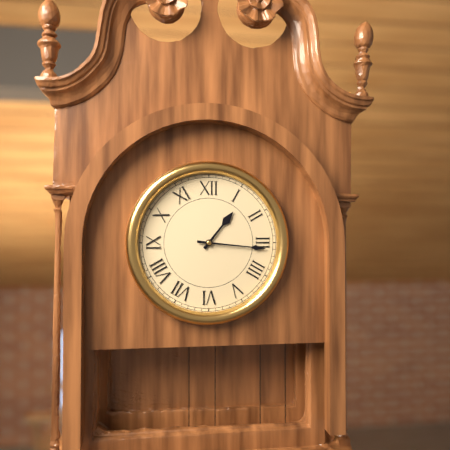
1:16
